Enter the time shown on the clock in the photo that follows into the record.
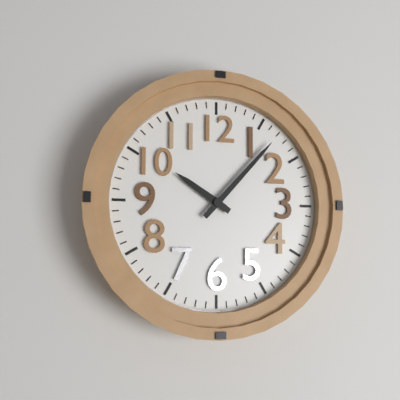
10:07
